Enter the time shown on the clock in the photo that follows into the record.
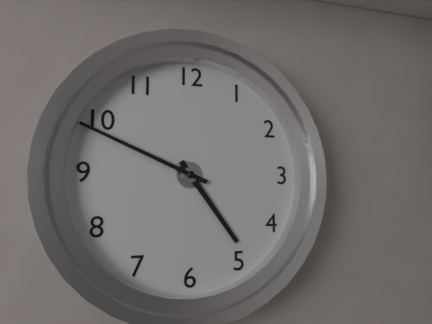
4:49
